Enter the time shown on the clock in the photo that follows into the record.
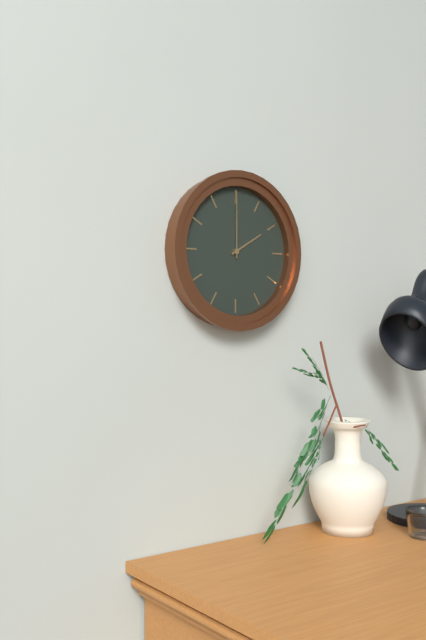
2:00
